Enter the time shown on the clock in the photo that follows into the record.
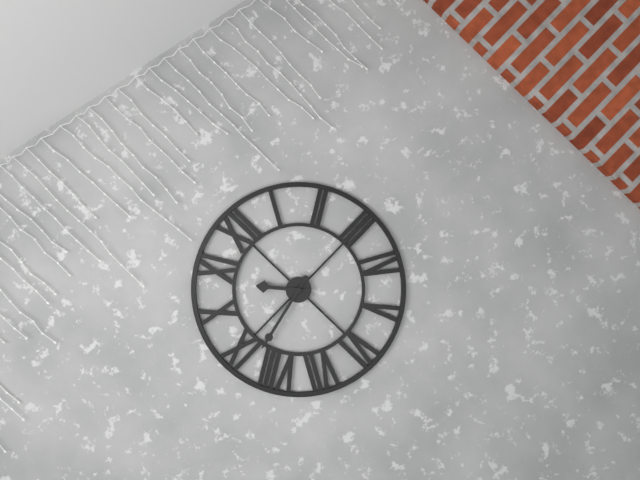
10:43
